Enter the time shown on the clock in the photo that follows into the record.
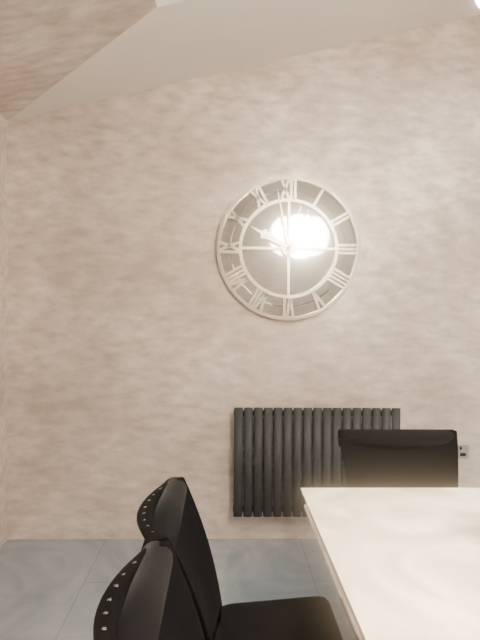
9:58
